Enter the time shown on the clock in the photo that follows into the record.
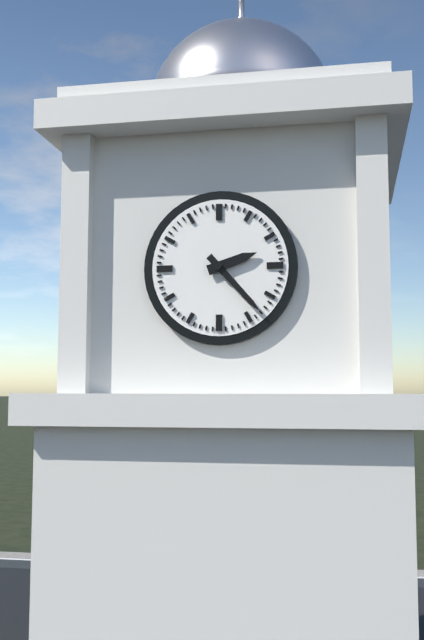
2:23
